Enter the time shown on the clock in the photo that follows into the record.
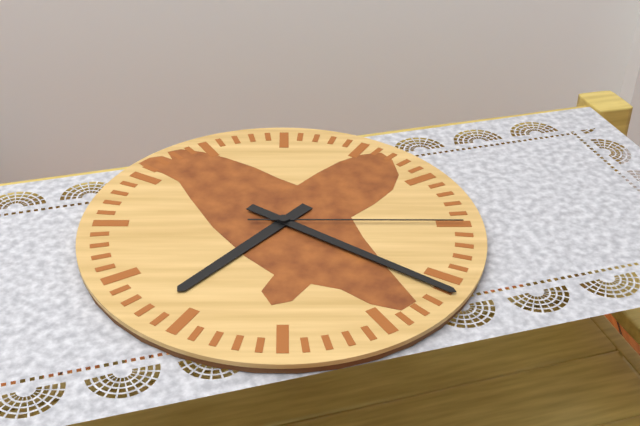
7:21:15
